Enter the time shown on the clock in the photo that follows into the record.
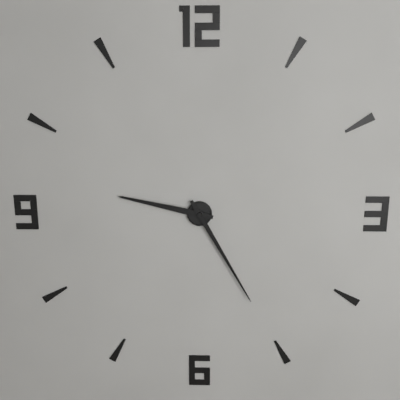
9:25
